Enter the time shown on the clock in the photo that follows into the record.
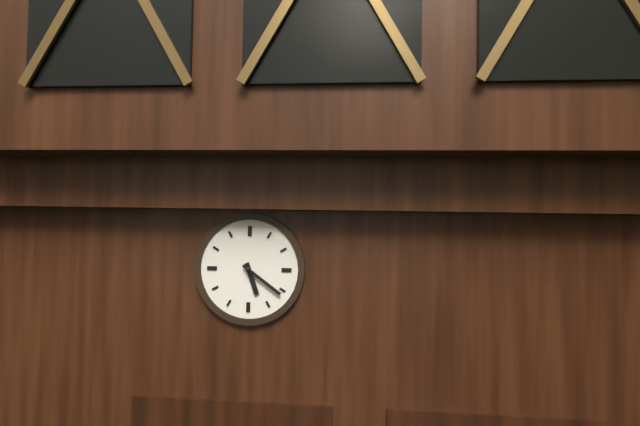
5:21
